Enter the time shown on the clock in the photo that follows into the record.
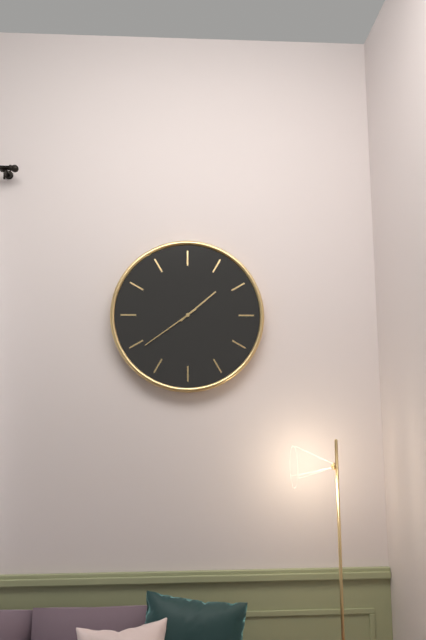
1:39
